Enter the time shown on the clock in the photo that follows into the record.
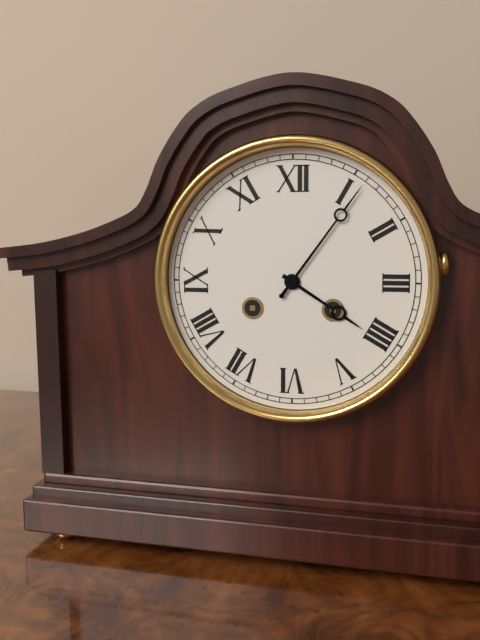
4:06
